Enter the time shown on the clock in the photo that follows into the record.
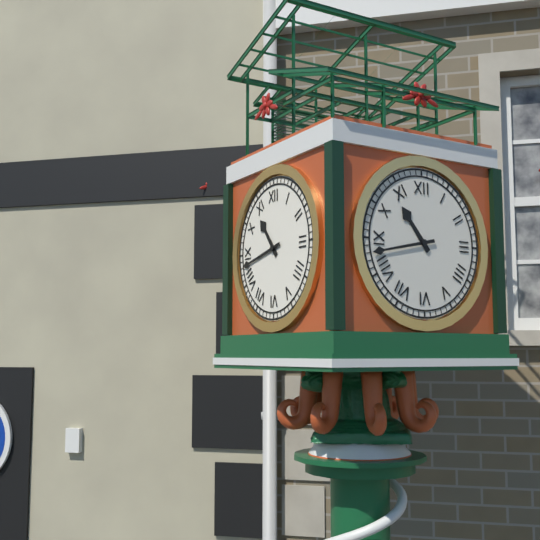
10:43
